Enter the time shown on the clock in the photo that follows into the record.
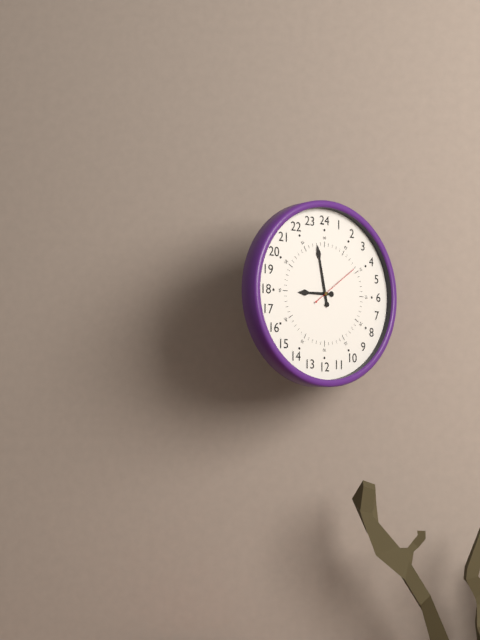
8:58:09
